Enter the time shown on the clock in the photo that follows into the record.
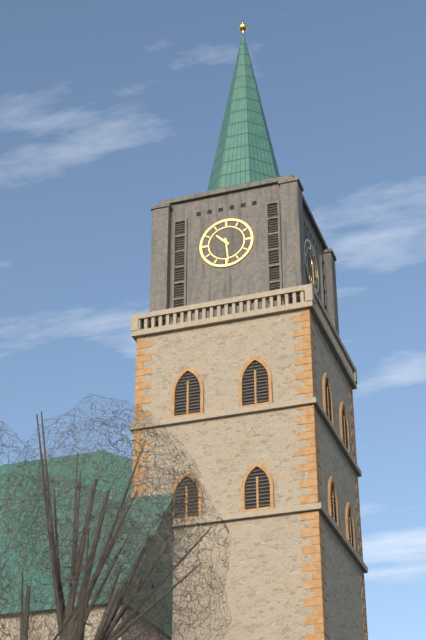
10:29
